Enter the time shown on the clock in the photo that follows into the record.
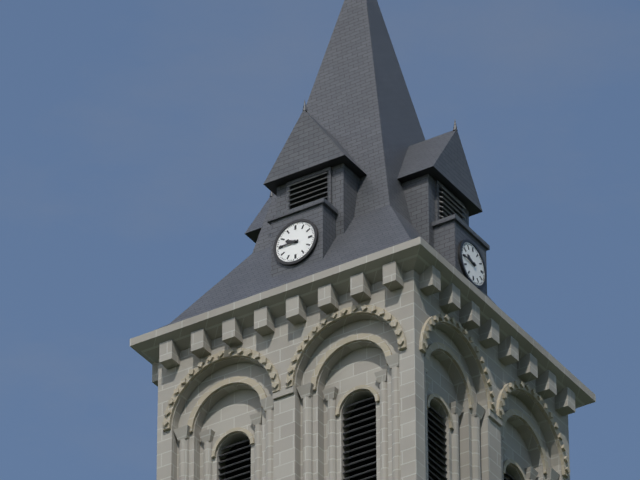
9:45
